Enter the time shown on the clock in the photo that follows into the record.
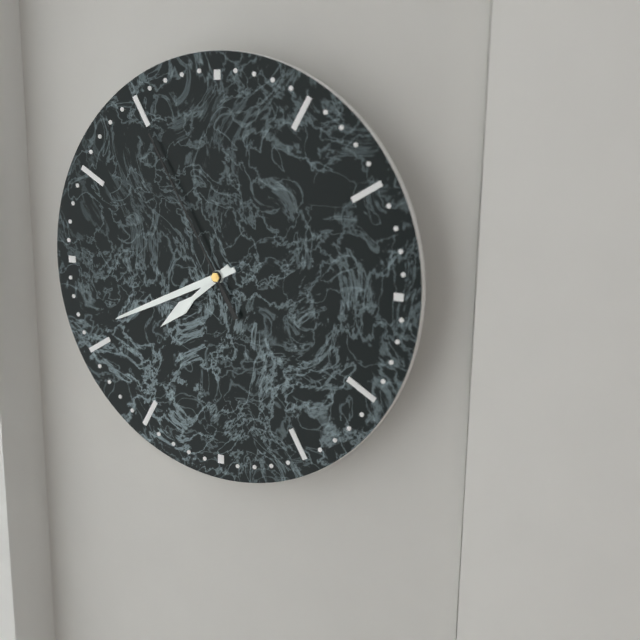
7:41:55
